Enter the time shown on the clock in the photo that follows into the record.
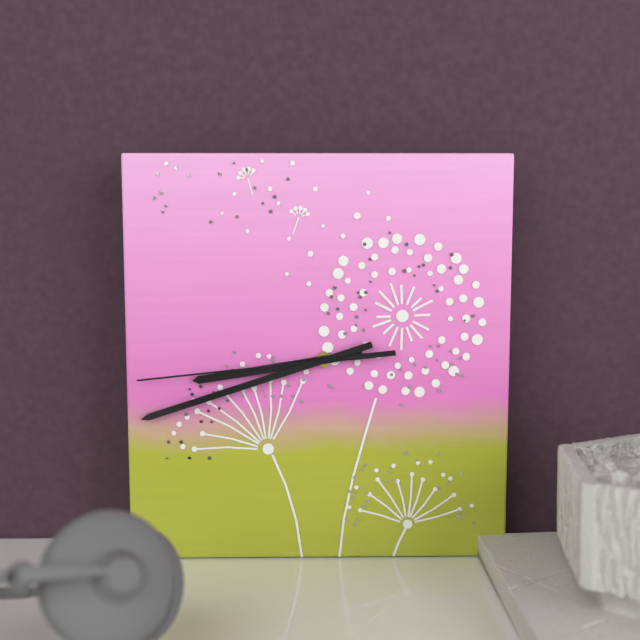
8:42:44
